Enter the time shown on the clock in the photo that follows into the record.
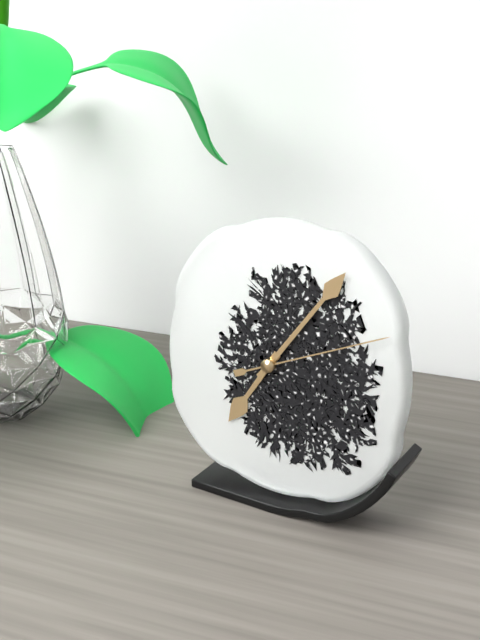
7:06:11
